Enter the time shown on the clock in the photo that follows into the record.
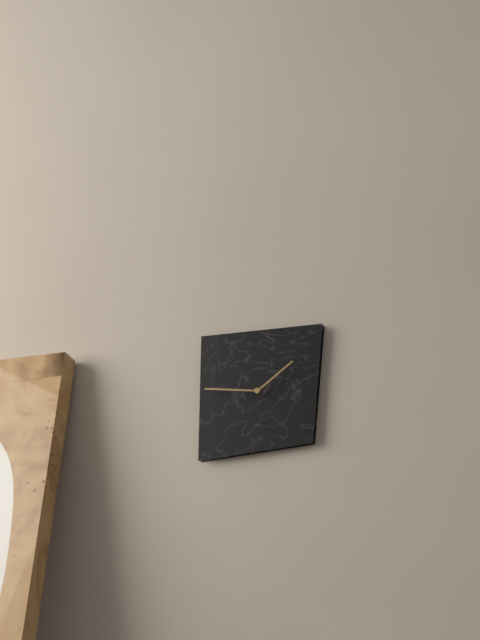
1:46
